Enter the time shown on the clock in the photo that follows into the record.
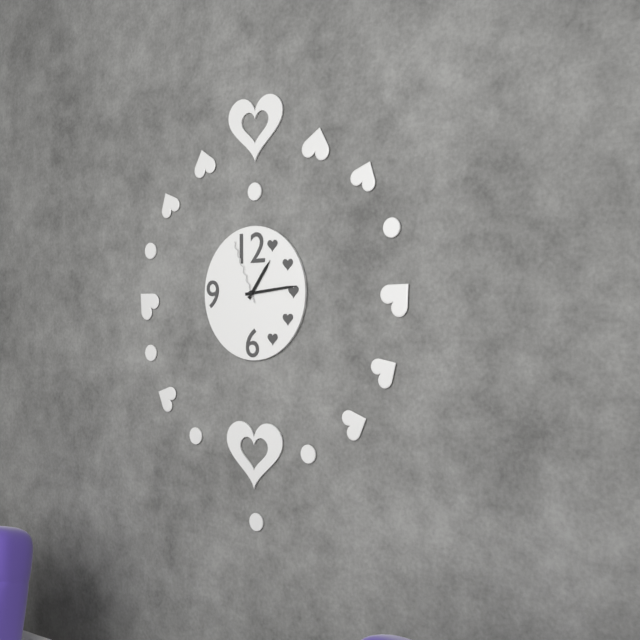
1:14:56
